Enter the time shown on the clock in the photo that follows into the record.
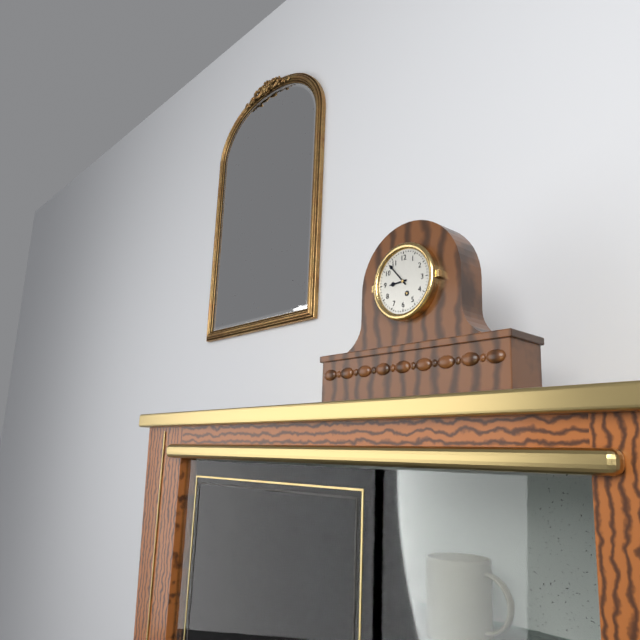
8:53
